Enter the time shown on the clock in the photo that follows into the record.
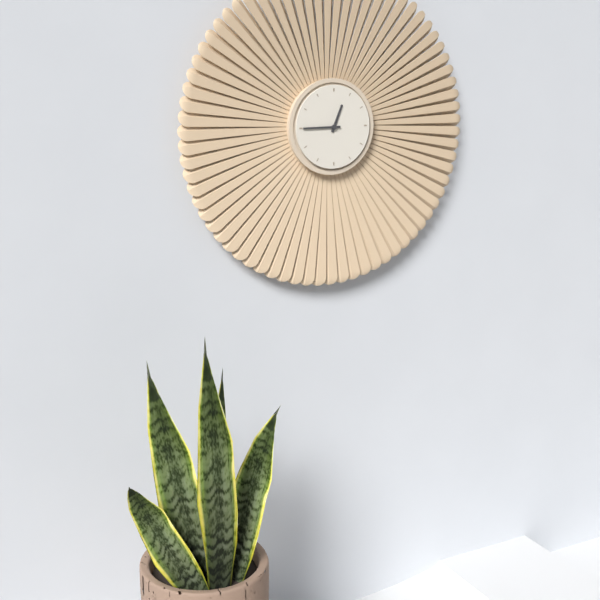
12:45
